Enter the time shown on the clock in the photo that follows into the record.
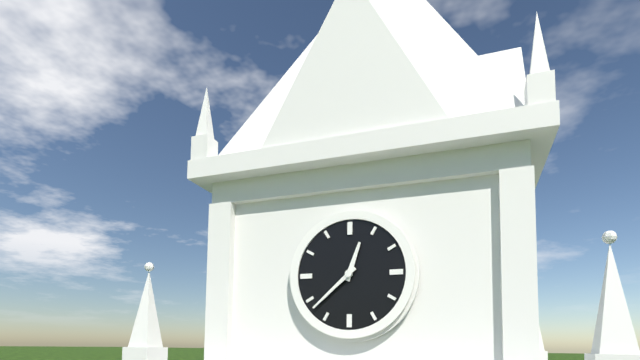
12:38
